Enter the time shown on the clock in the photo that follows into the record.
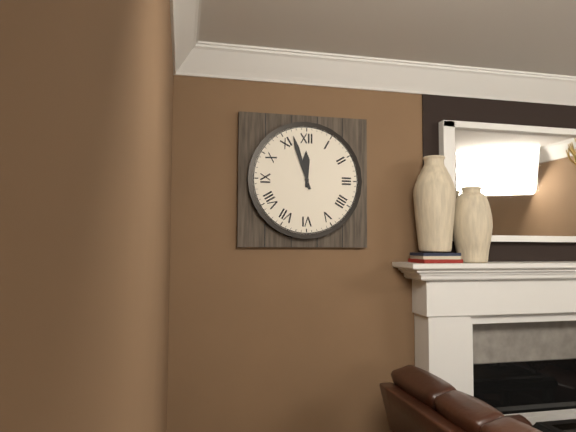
11:57
